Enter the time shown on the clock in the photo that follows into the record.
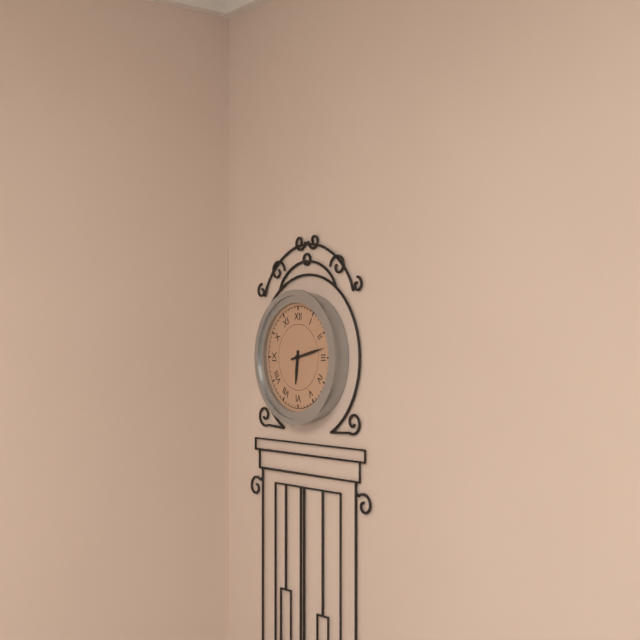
6:13
